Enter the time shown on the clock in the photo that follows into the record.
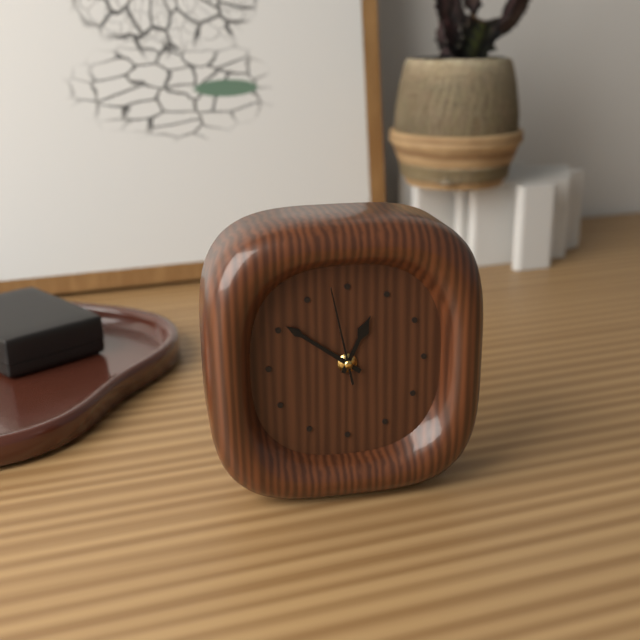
12:51:58
